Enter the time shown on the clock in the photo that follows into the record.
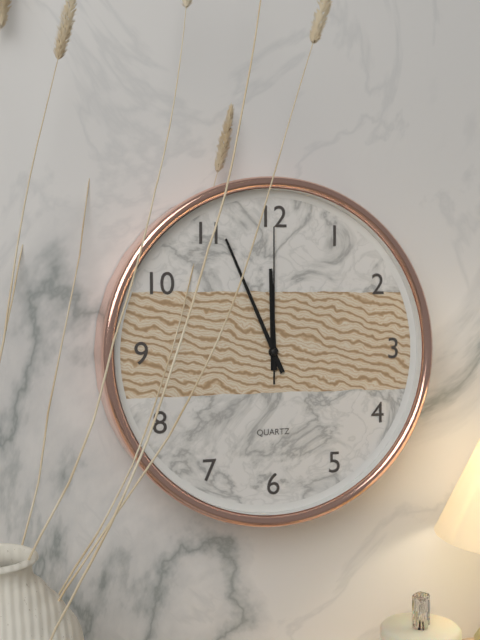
11:56:00
